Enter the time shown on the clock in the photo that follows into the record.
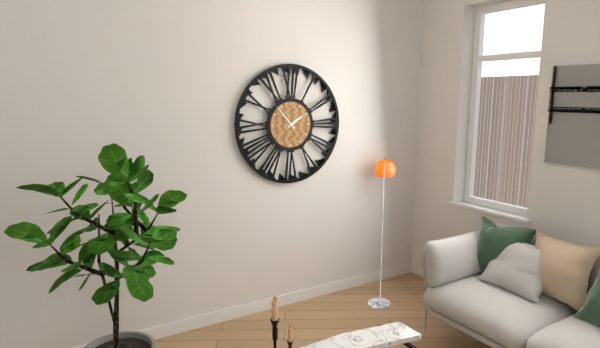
1:53
